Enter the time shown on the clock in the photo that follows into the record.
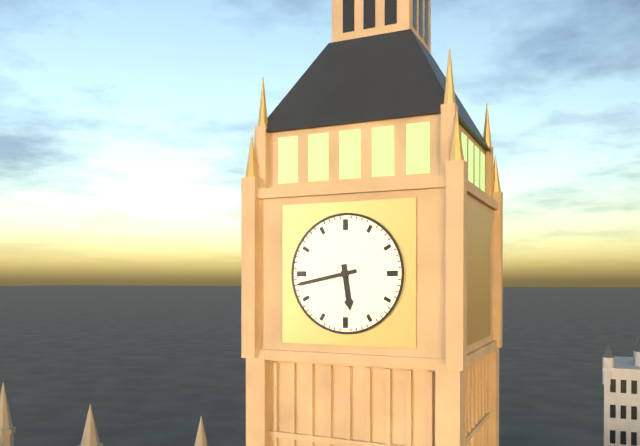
5:43
